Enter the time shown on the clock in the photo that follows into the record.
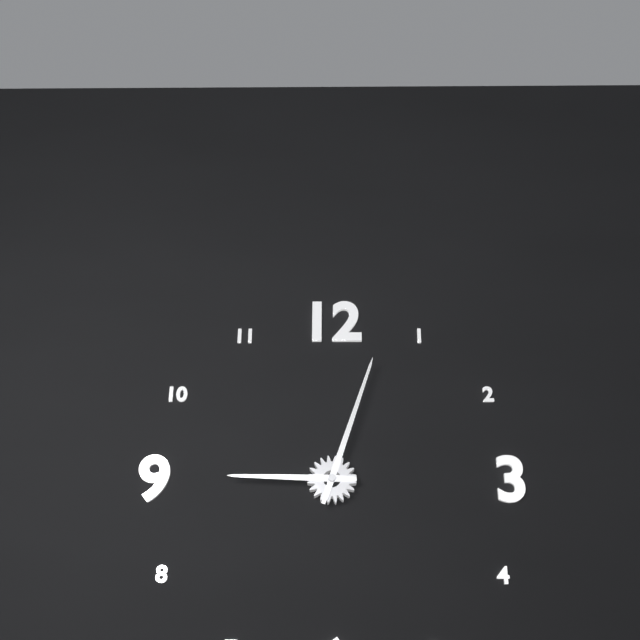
9:03
